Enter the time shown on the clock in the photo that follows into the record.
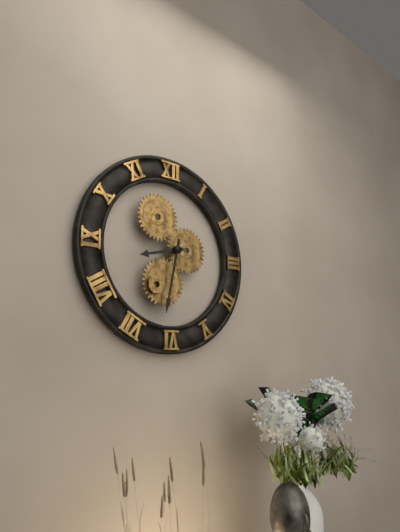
8:32
